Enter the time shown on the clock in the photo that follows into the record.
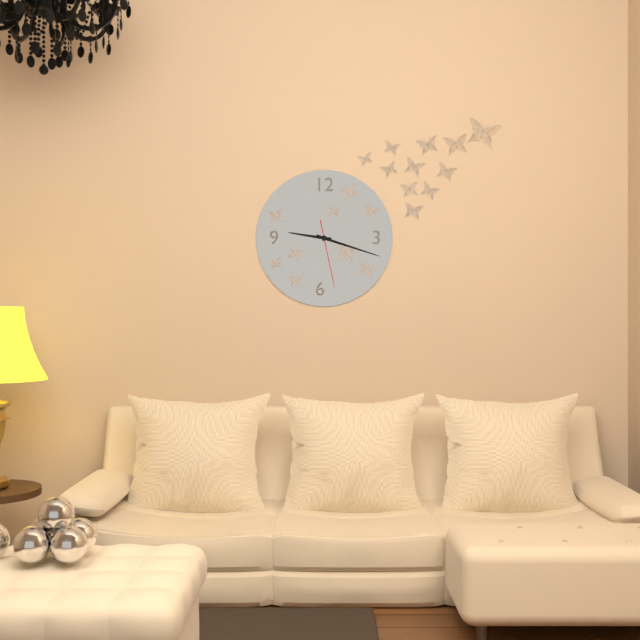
9:18:28
